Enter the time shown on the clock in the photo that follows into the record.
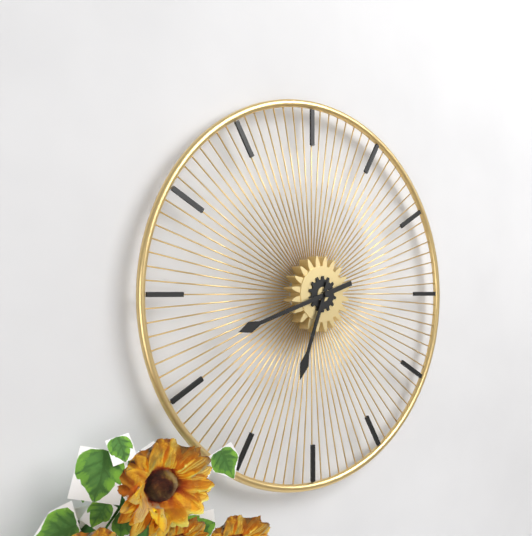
6:42
